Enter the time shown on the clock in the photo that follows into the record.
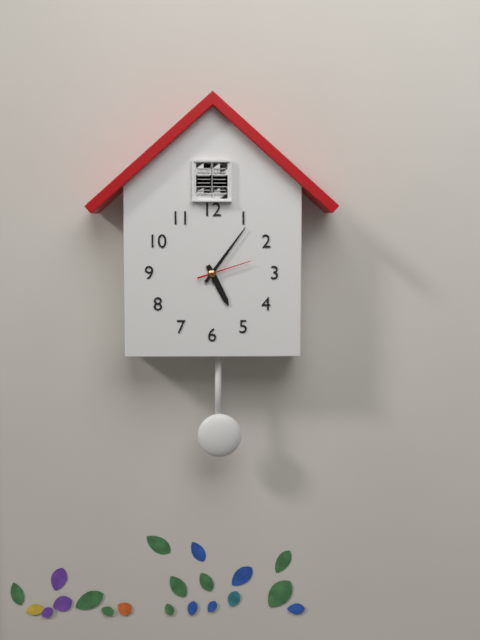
5:06:12
